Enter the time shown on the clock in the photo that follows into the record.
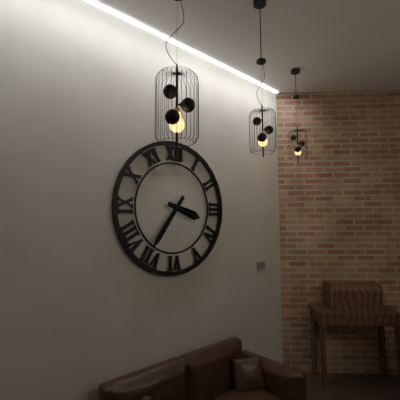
3:36
